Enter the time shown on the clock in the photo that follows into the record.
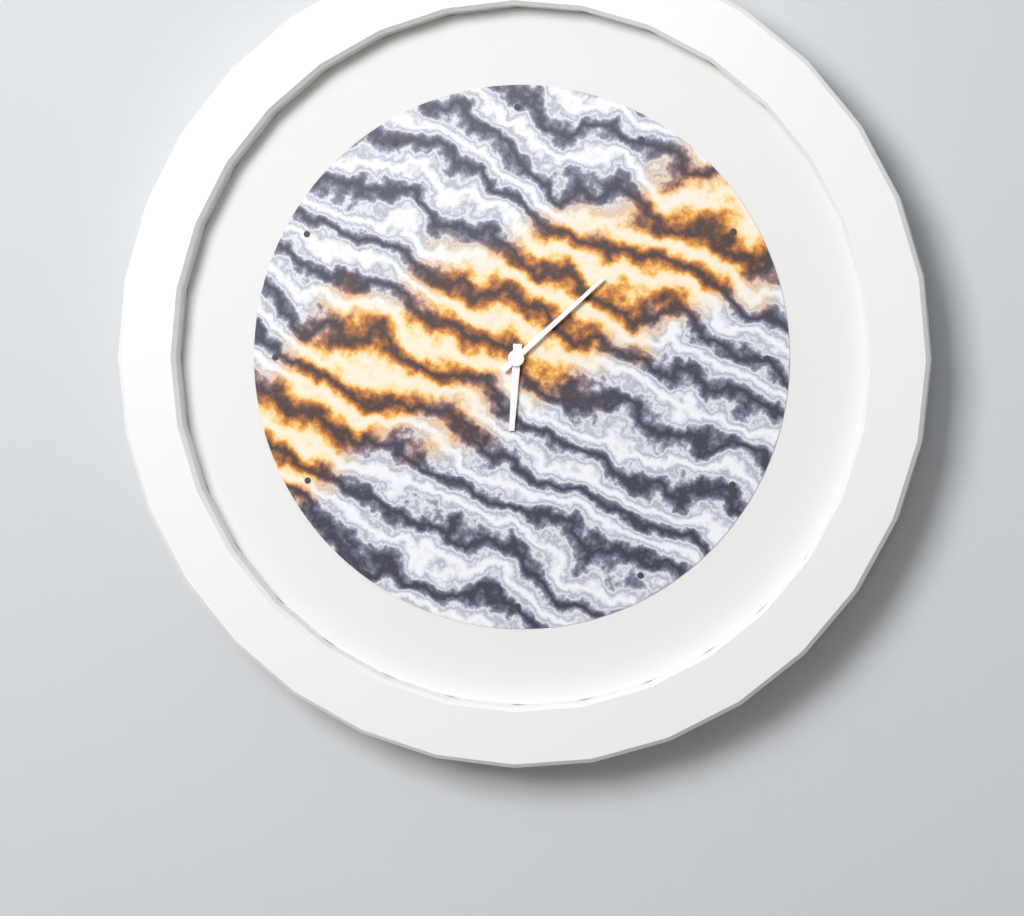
6:08
